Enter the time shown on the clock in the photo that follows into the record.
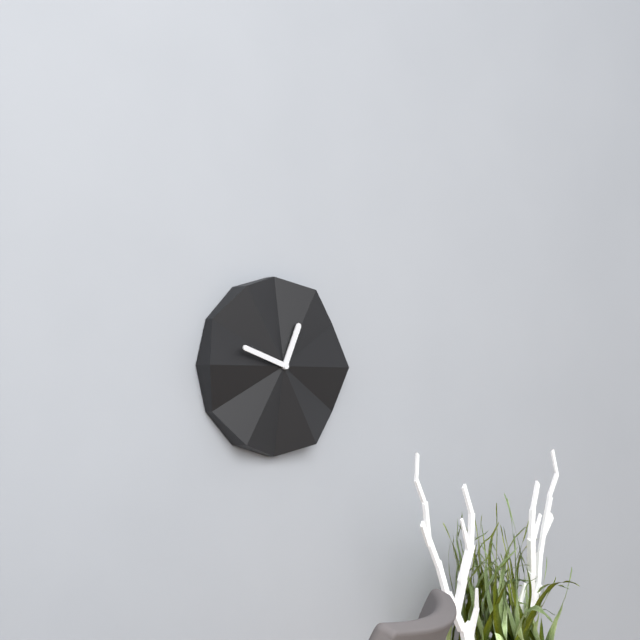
12:48
